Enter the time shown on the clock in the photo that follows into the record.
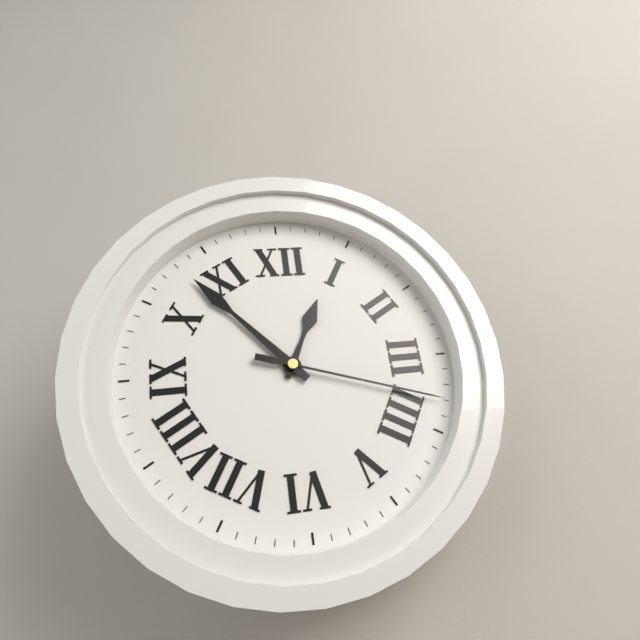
12:53:18
